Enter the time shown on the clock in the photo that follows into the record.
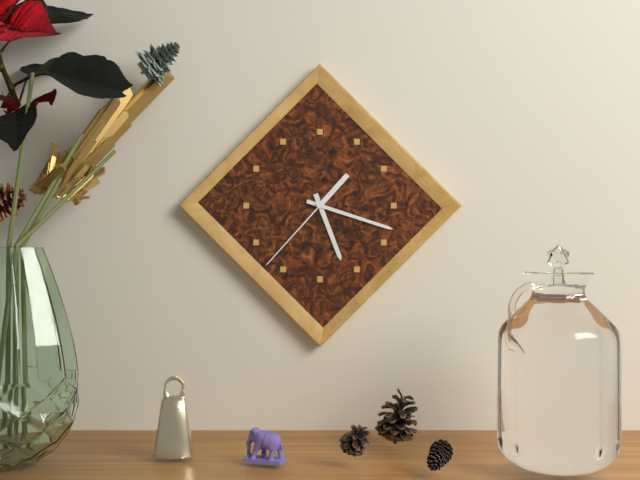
5:18:37
